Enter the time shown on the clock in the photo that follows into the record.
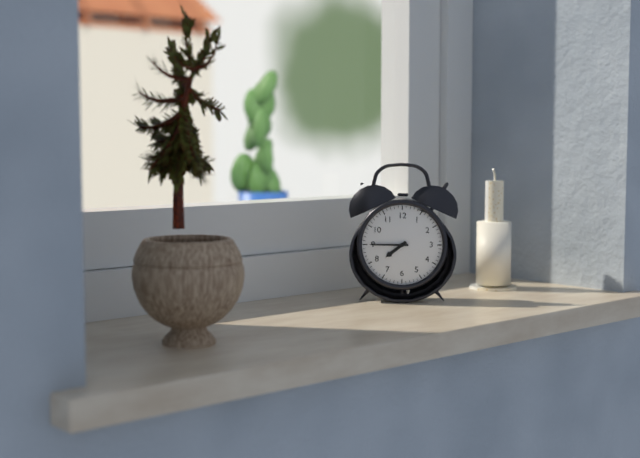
7:45
